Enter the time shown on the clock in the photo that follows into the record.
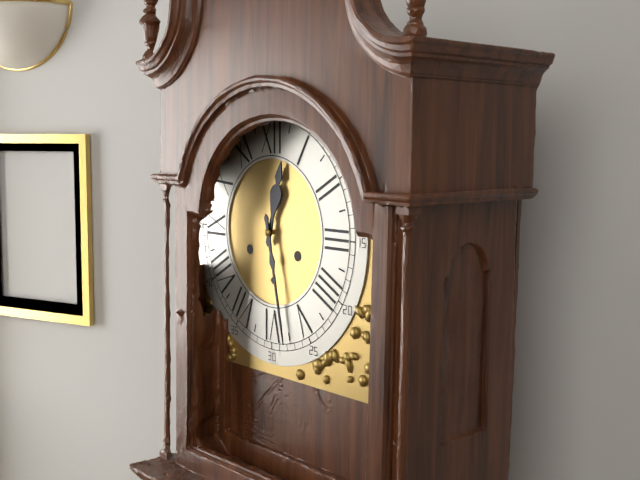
12:28
